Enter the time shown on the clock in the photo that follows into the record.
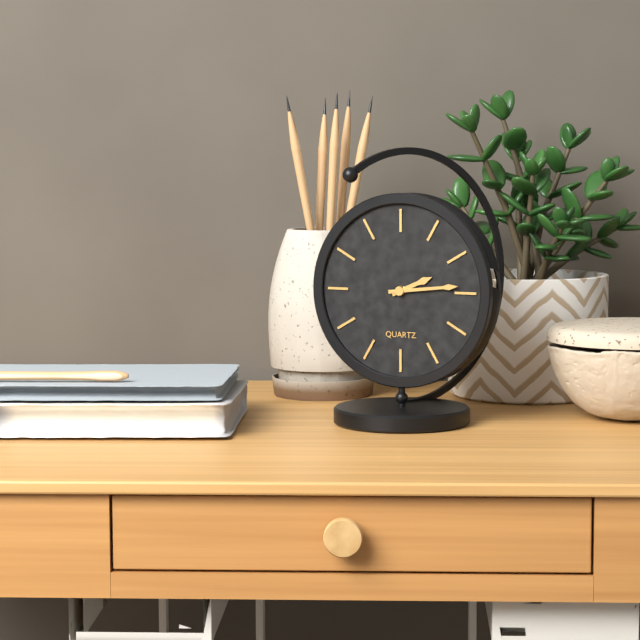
2:14
